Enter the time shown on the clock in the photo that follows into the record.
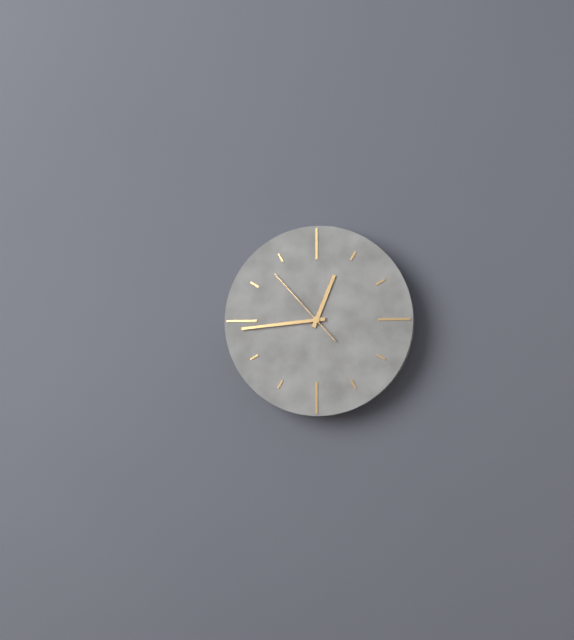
12:44:53
